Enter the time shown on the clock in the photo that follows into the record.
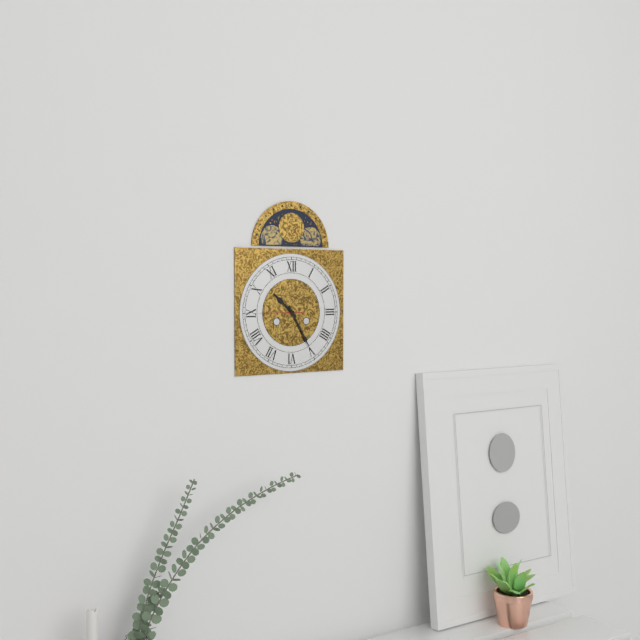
10:25
